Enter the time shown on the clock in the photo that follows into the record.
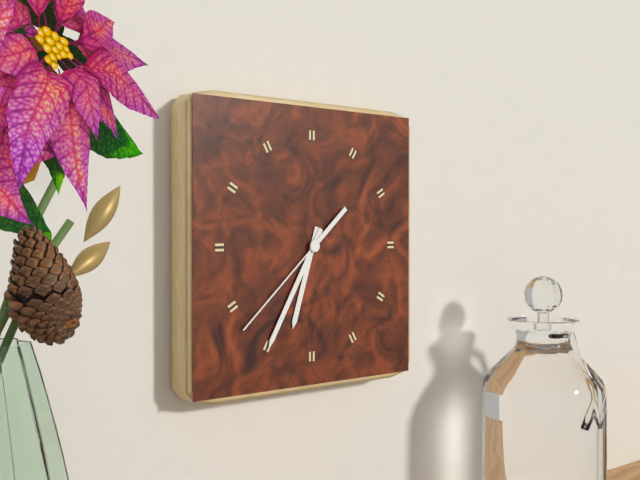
6:35:38
